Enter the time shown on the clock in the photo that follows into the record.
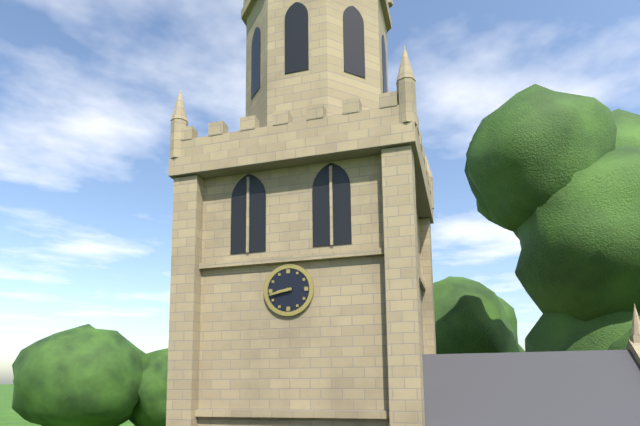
8:43
